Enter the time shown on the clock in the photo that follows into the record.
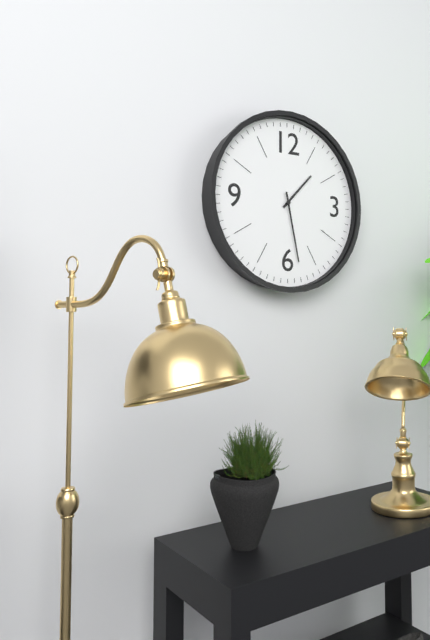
1:28
